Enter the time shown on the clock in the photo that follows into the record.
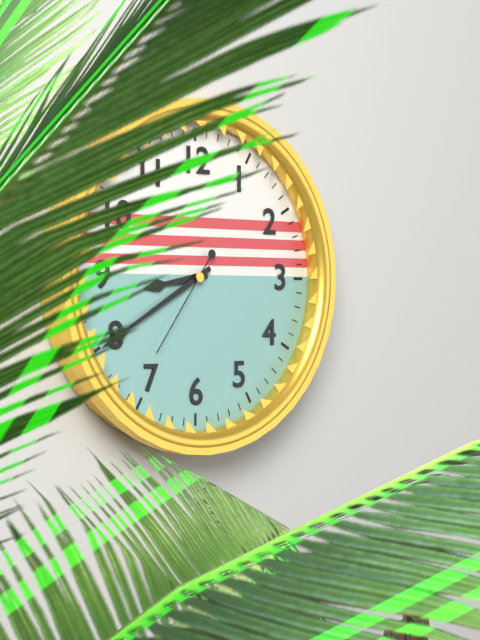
8:40:36
